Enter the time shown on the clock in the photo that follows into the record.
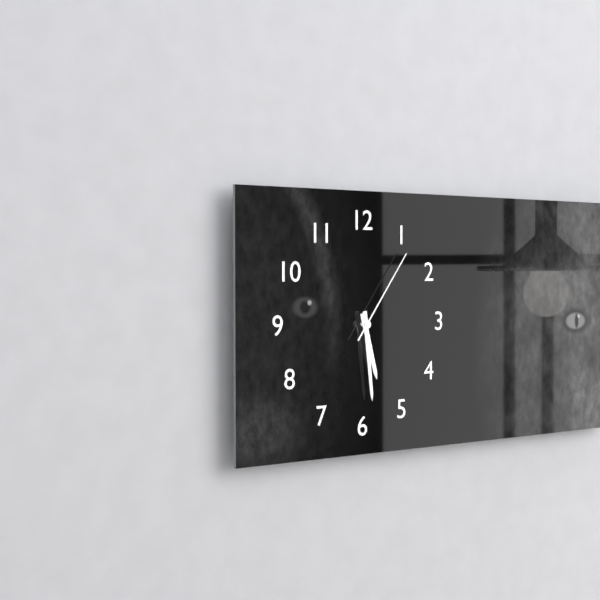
5:29:06
